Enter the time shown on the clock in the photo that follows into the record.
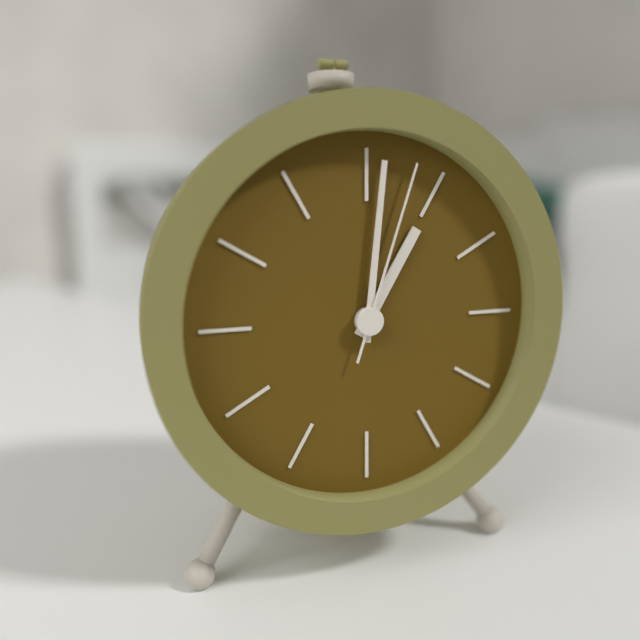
1:01:03
